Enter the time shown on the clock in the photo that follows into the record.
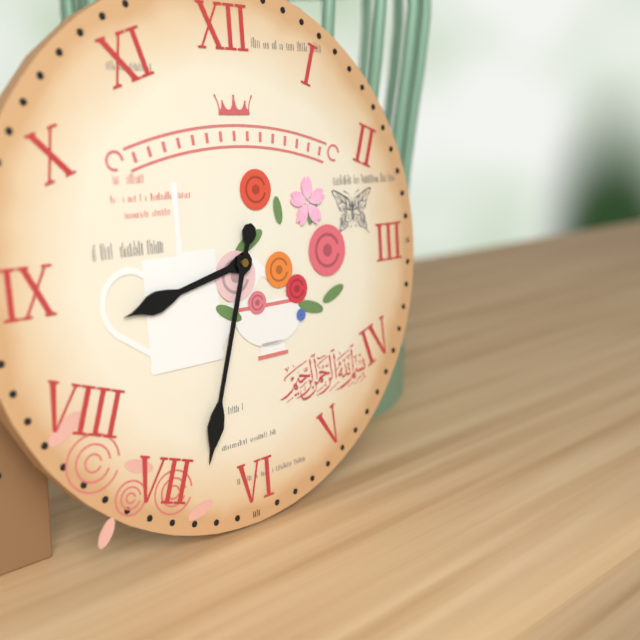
8:33
